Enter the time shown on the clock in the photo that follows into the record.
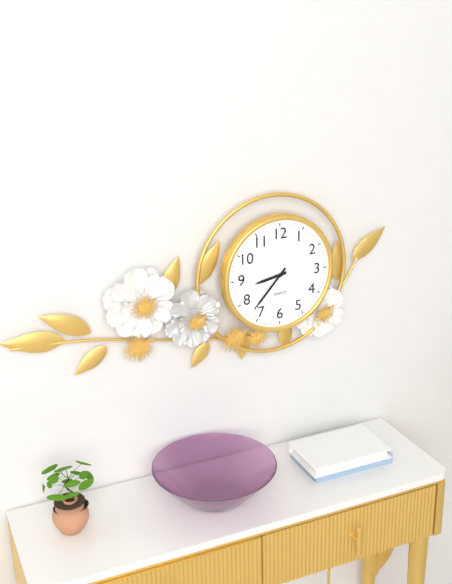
8:37
